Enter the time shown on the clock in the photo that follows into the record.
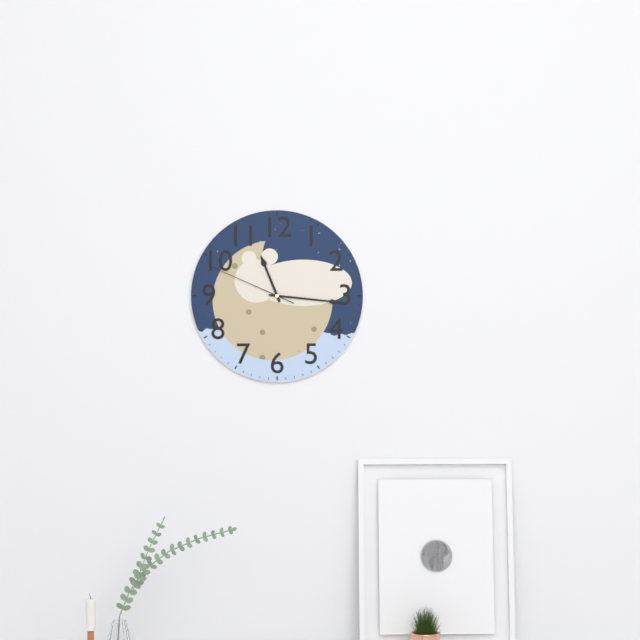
11:16:49
